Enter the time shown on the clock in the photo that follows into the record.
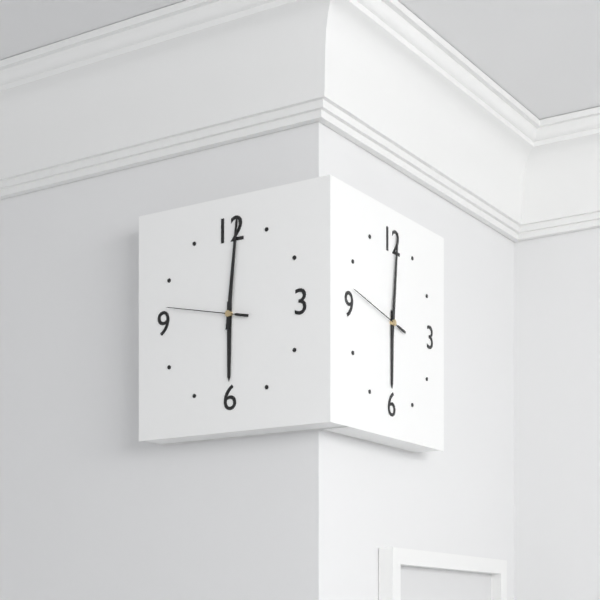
6:01:47
